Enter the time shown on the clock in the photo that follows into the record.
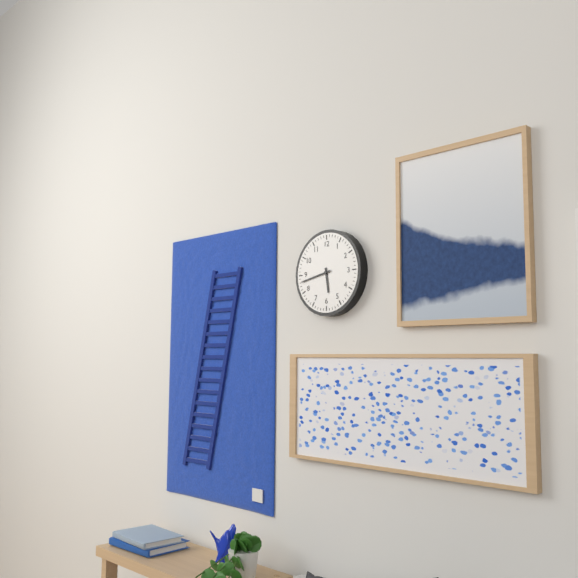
5:43
